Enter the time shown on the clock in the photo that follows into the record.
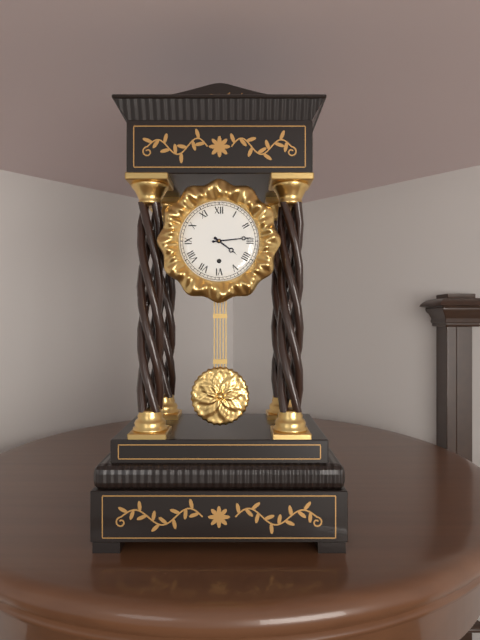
4:14
